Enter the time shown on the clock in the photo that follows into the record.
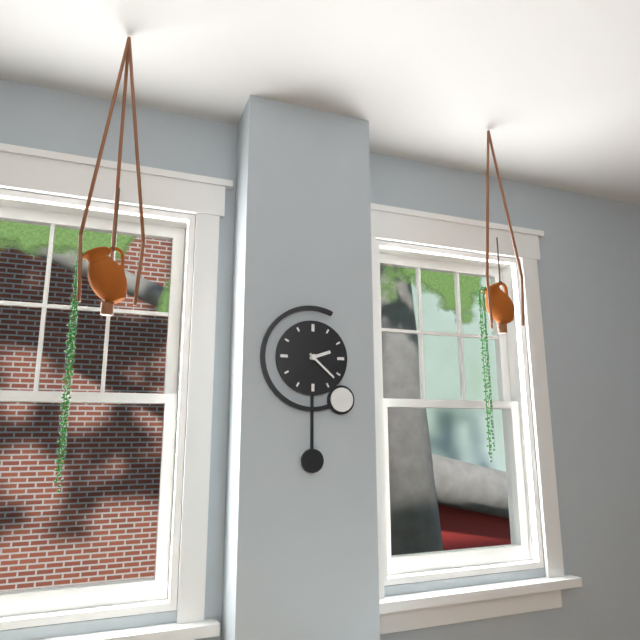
2:22
